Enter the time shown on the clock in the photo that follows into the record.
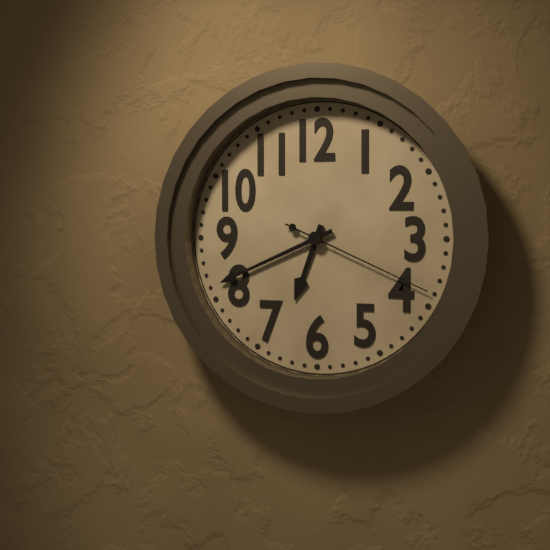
6:41:19
